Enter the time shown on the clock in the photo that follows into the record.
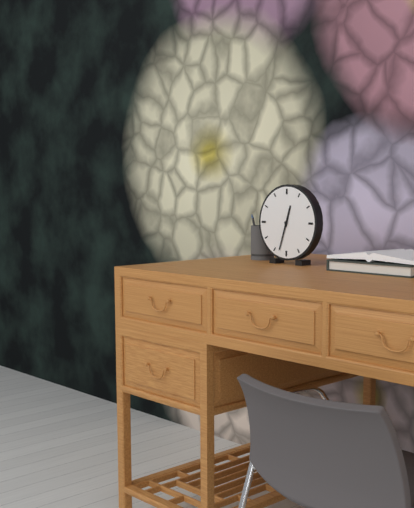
12:33
